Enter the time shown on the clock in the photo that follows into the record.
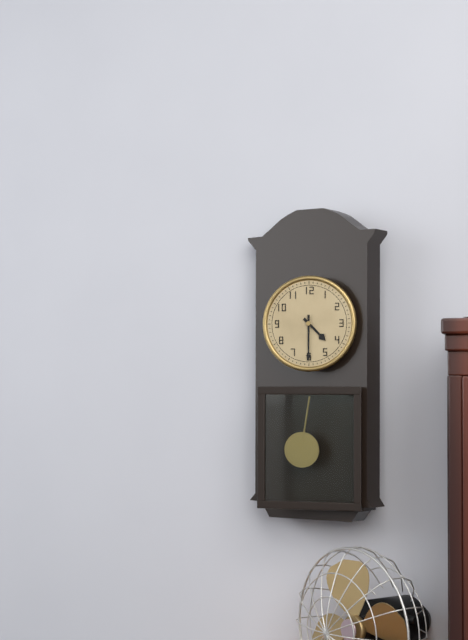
4:30
